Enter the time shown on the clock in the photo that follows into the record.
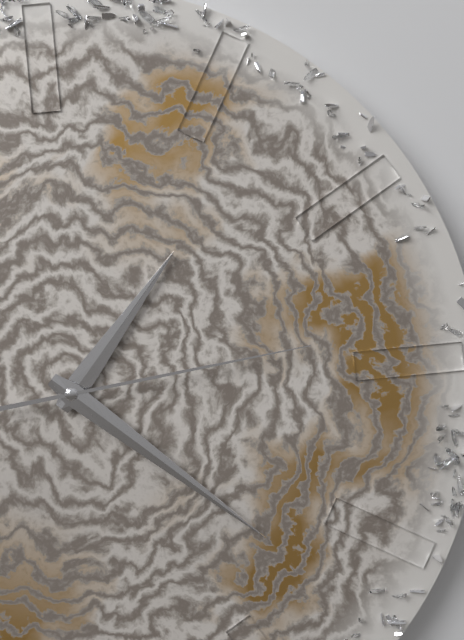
1:22:14
